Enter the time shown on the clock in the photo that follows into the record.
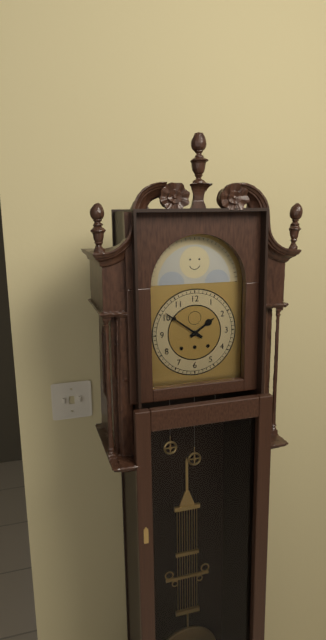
1:51
